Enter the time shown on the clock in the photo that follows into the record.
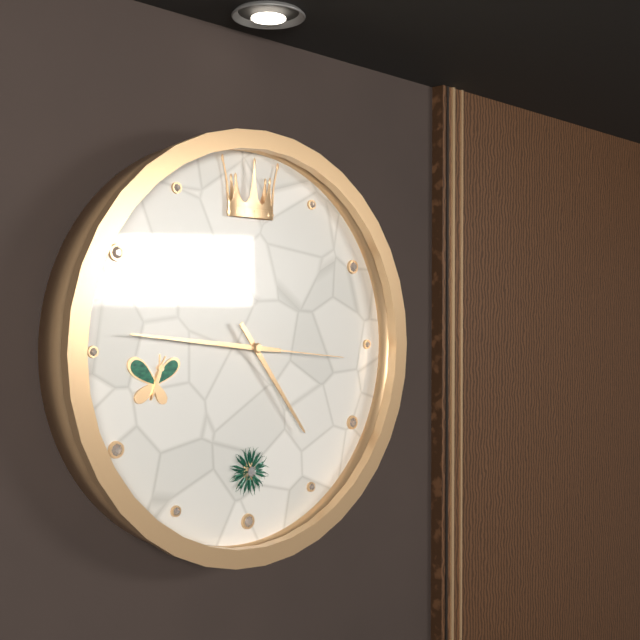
4:46:16
